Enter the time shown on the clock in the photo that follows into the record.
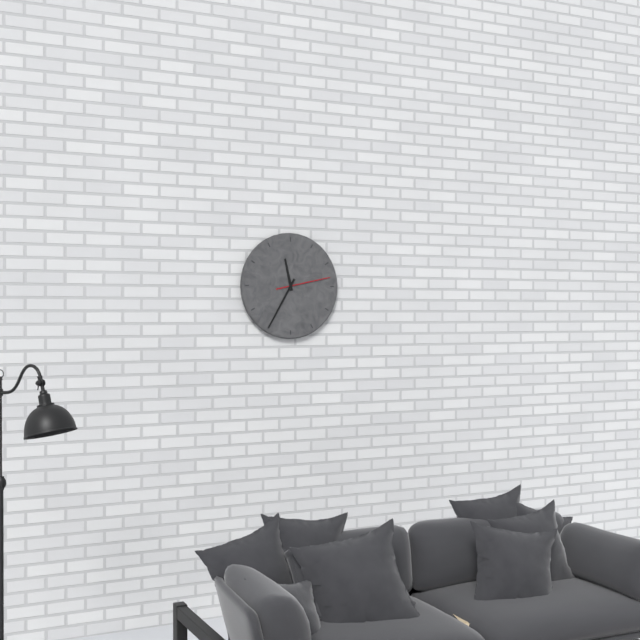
11:35:13
